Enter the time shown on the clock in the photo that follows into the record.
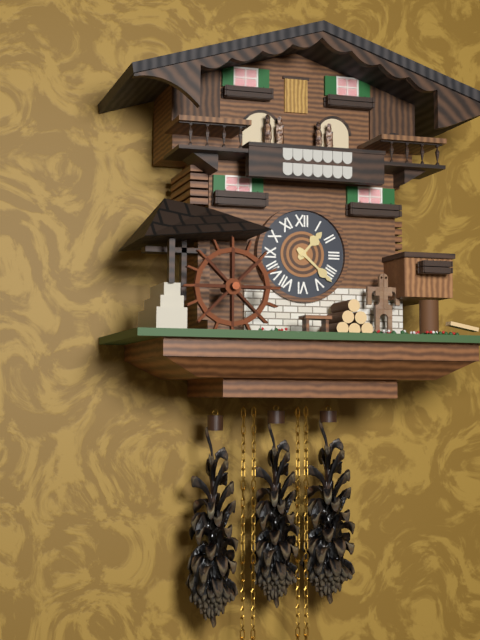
1:22
